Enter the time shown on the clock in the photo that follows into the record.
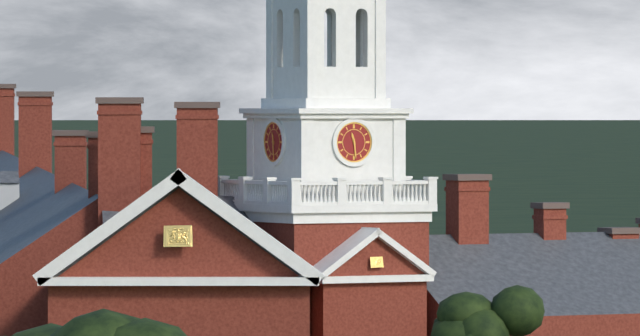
11:29
